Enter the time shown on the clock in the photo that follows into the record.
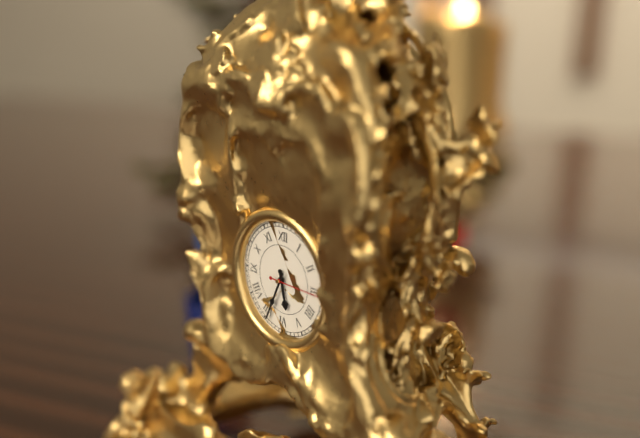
5:34
